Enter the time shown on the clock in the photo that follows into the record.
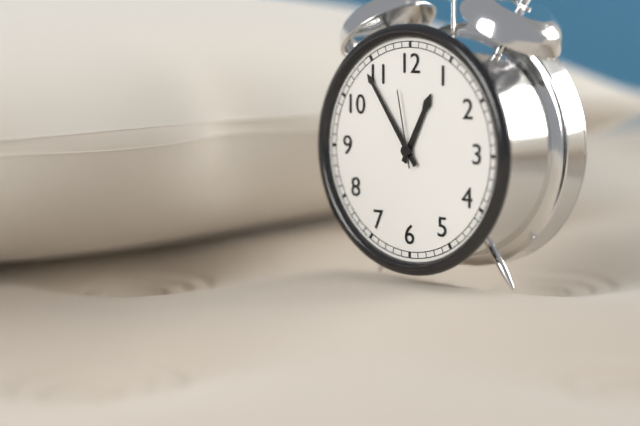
12:54:58
